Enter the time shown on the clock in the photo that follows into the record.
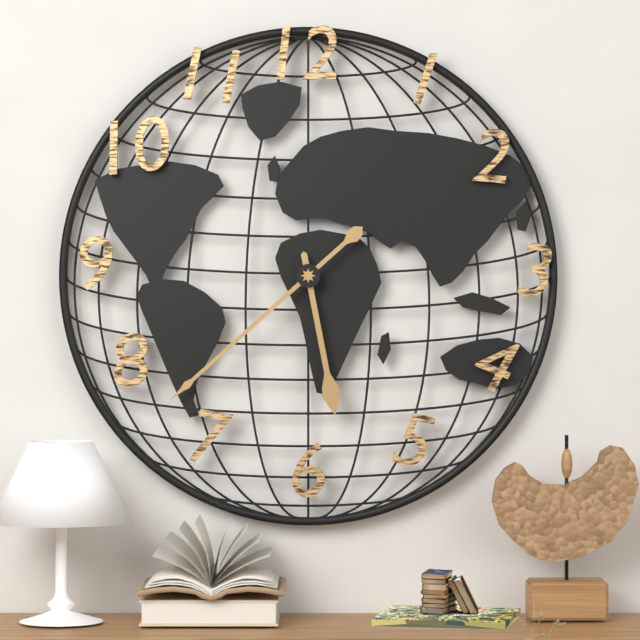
5:38
